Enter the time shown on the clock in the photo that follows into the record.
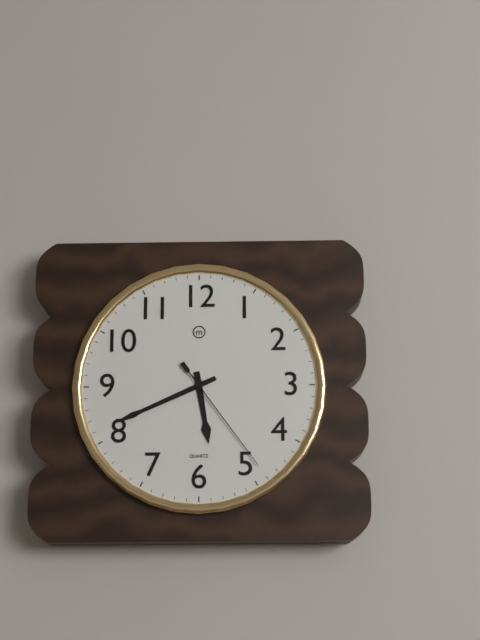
5:41:24
